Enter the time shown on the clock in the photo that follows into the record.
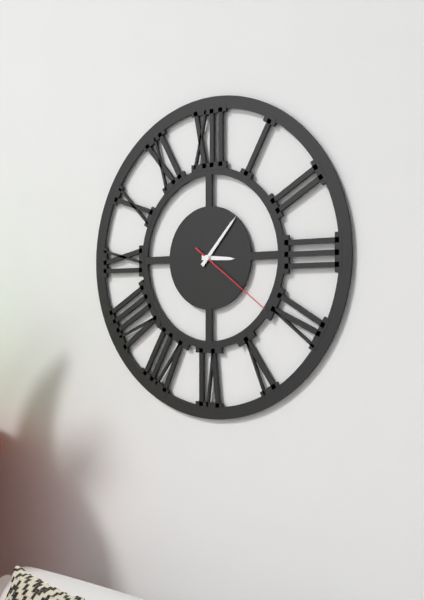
3:07:21
